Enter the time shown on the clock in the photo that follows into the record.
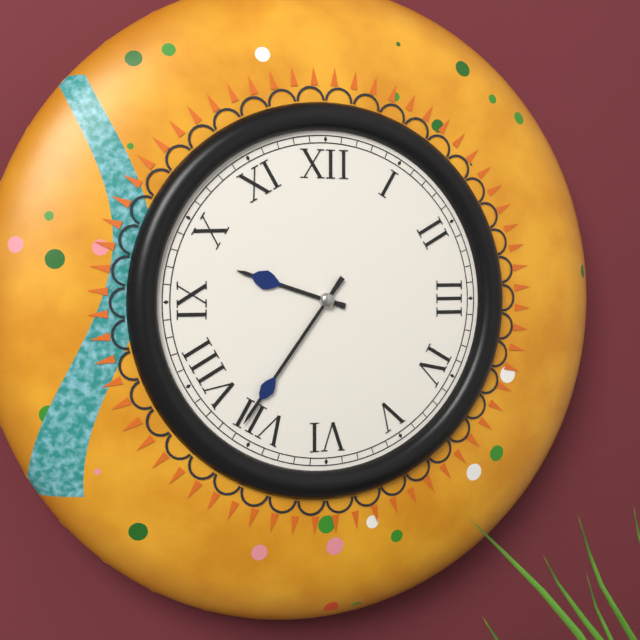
9:36
